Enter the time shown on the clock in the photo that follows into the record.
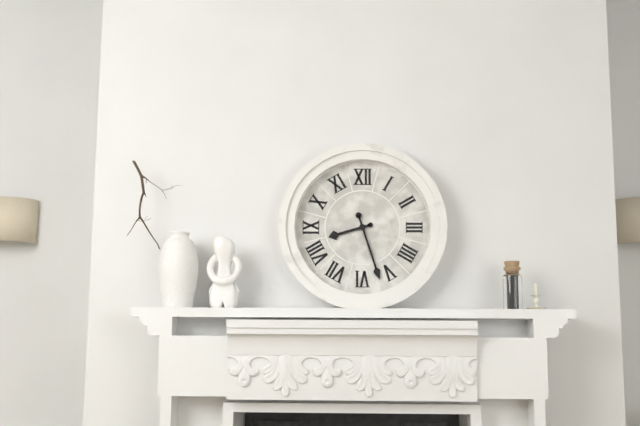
8:27
